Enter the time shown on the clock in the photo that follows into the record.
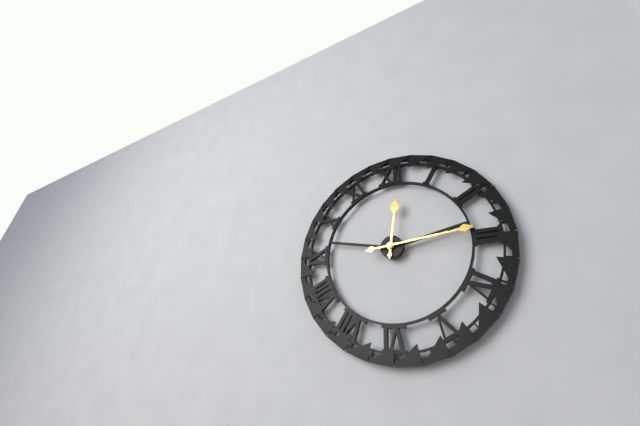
12:14
